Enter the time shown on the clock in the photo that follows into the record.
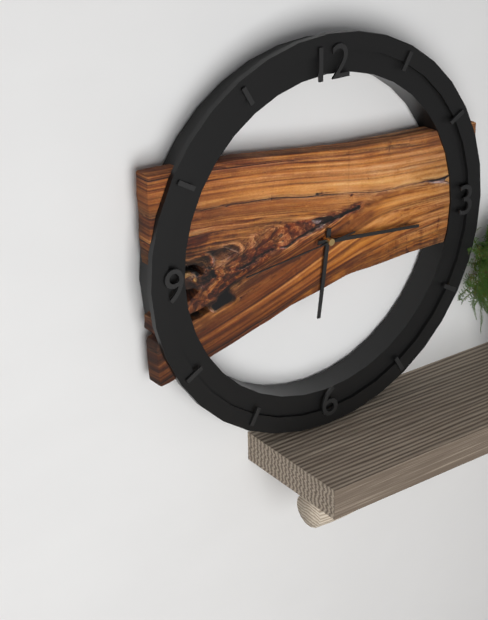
6:16:44
